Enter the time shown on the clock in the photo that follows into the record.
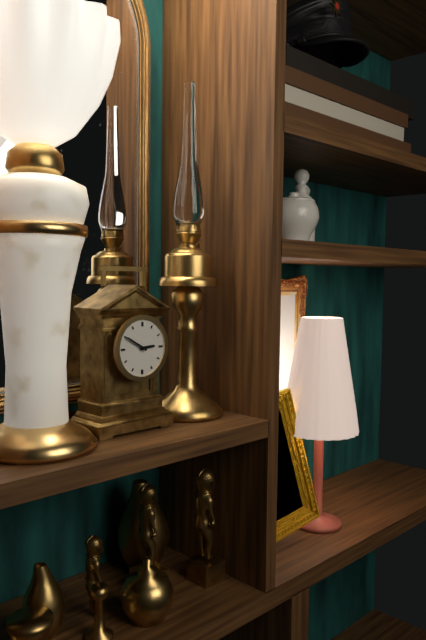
2:50
